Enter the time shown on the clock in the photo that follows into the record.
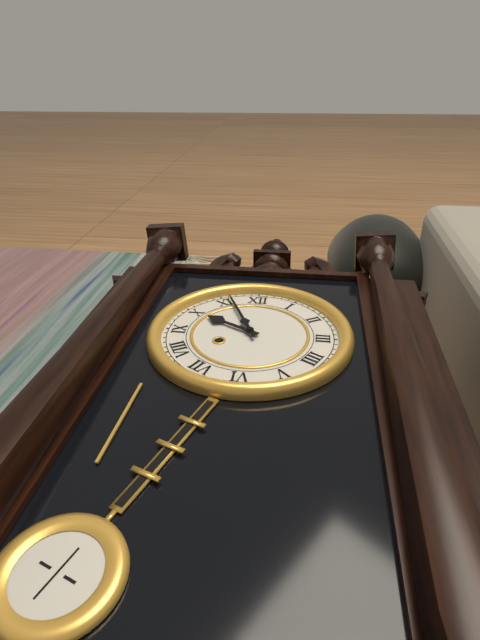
9:56
